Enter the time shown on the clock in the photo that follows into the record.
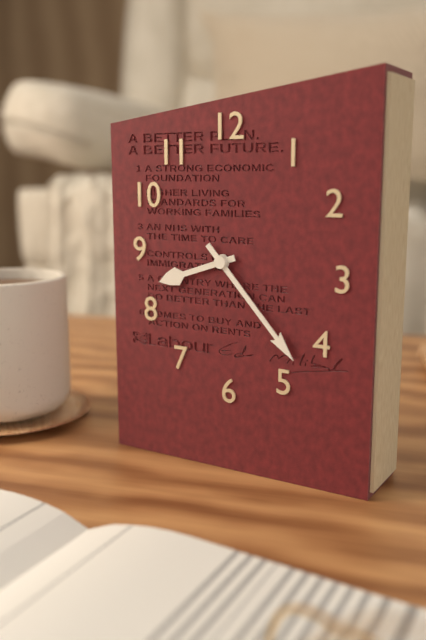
8:23
